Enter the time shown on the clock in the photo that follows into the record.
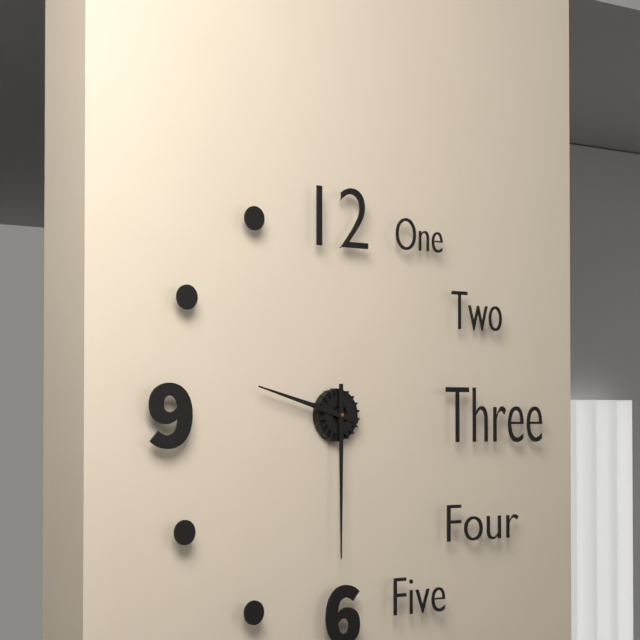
9:30
